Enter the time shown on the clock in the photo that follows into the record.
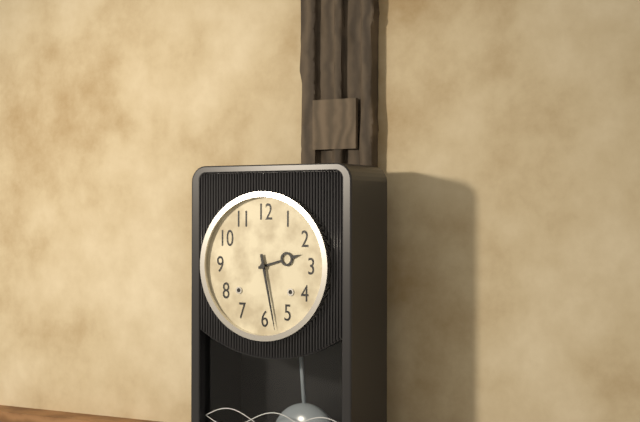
2:28
